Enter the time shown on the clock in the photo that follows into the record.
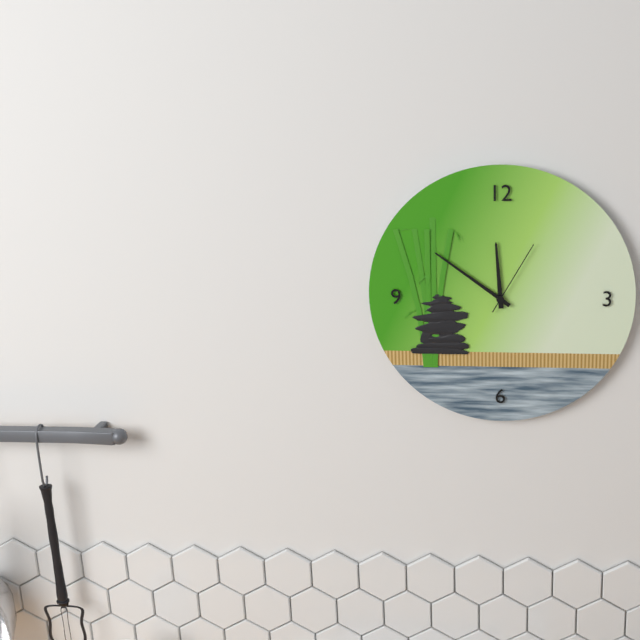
11:51:05
